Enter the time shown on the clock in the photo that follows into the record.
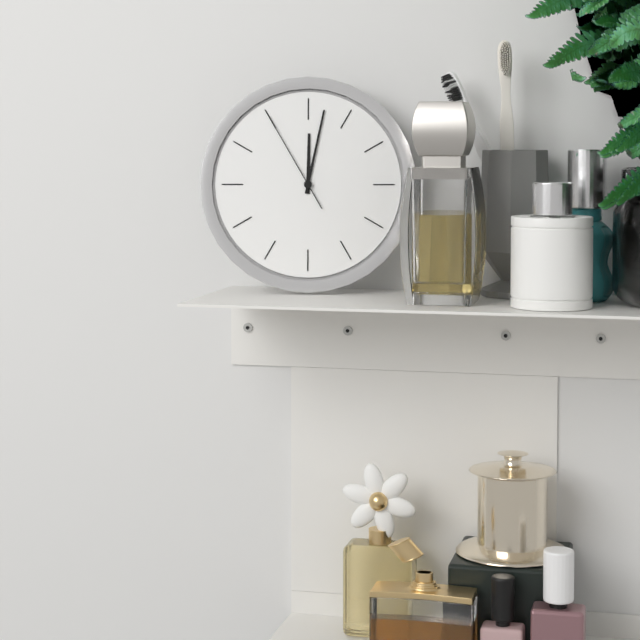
12:02:55
